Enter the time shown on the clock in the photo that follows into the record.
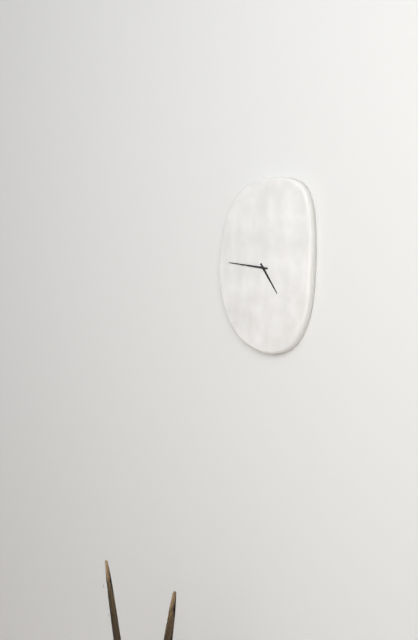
4:46
